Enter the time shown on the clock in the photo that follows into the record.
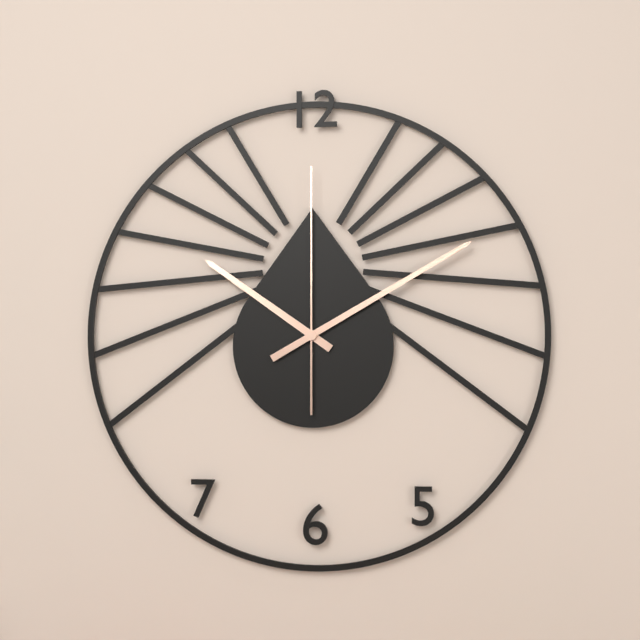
10:10:00
